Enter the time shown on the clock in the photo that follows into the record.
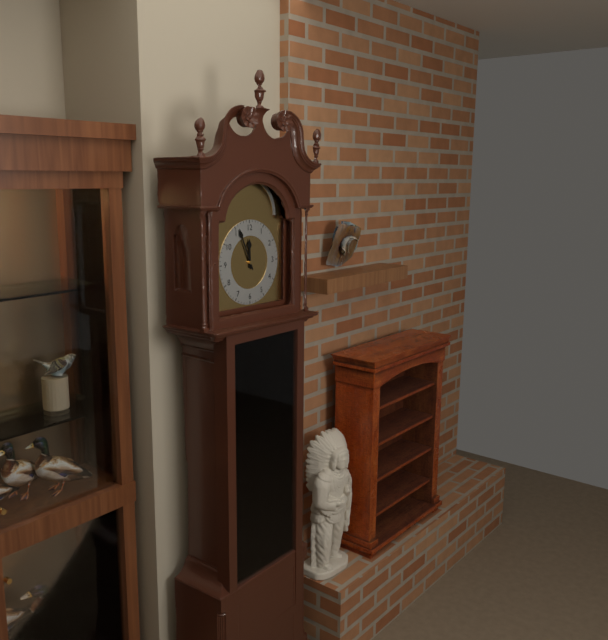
11:56
